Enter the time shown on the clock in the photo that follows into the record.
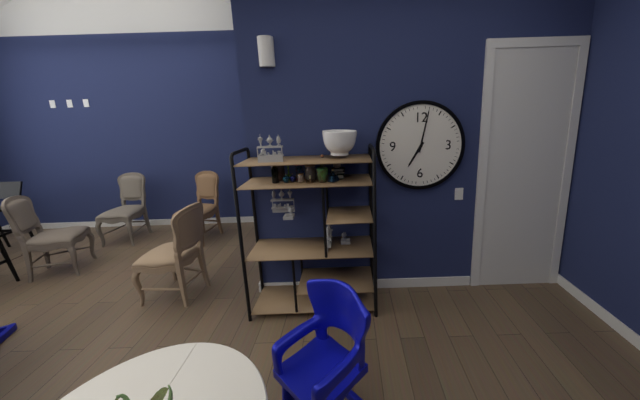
7:02
